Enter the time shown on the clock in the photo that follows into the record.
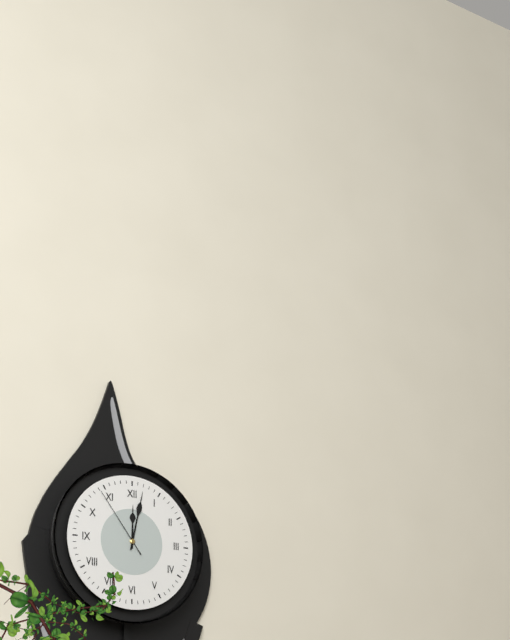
12:02:54
